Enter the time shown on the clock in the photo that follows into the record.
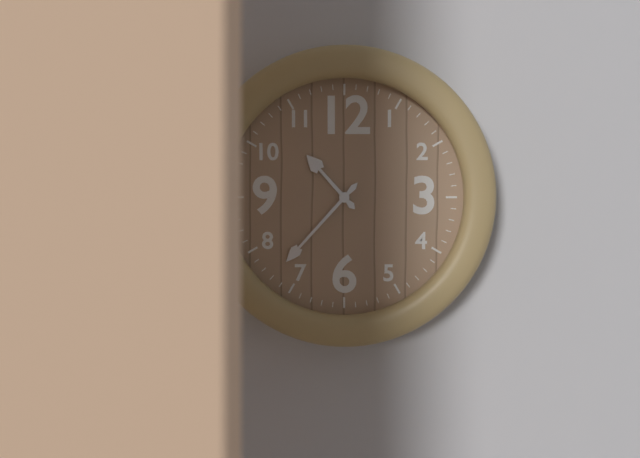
10:37
